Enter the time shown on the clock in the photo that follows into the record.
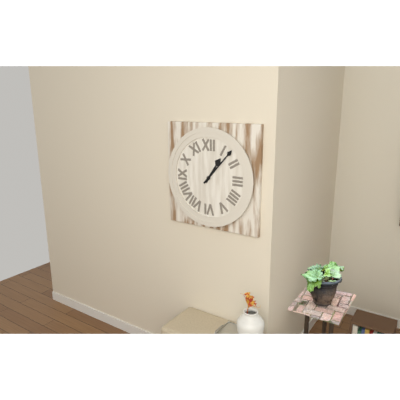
1:07
